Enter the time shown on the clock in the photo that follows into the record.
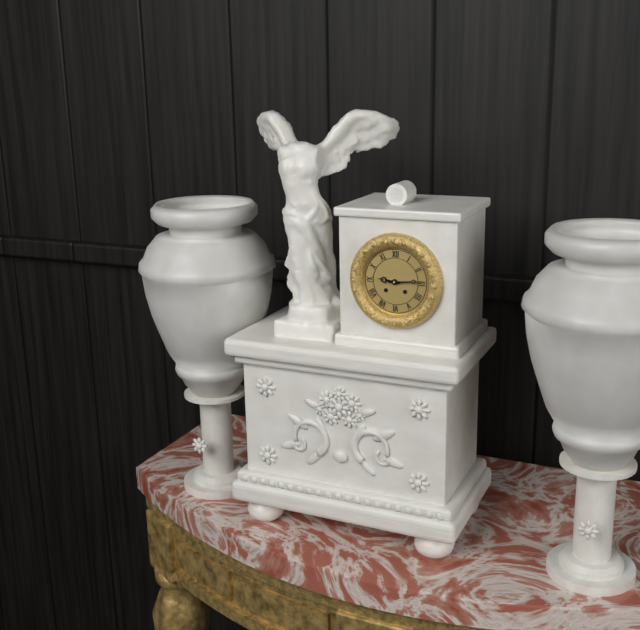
9:14
